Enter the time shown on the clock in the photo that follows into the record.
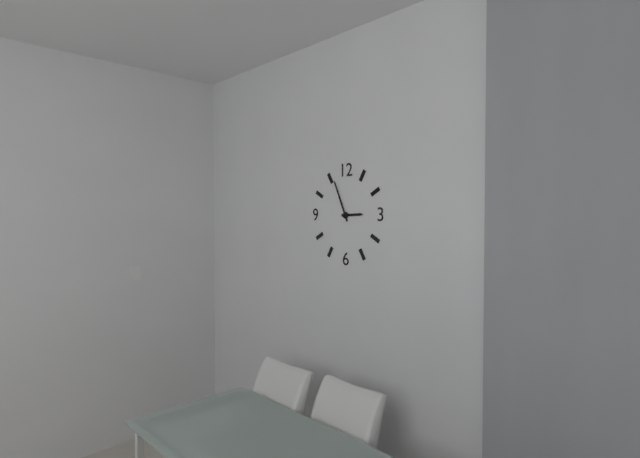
2:56
